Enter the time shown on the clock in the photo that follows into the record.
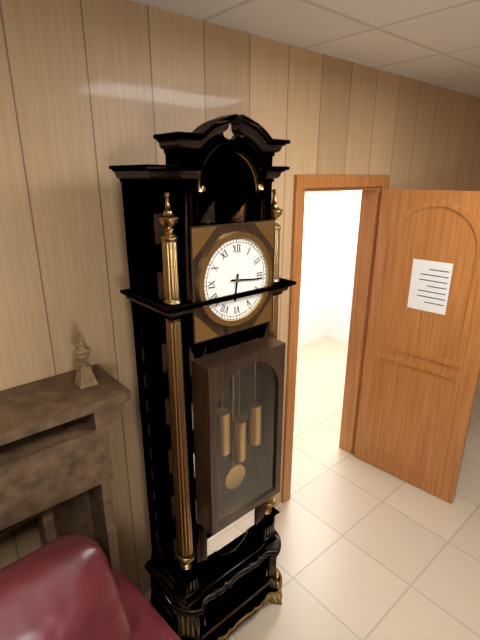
6:16
